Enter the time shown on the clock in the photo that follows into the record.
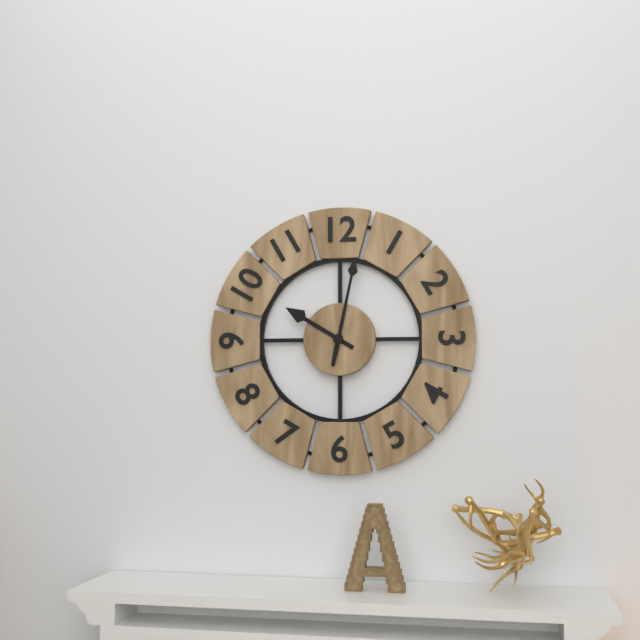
10:02
